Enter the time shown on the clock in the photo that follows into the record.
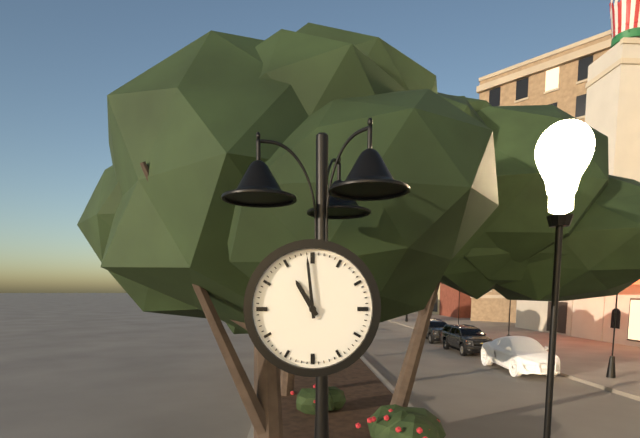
10:59
